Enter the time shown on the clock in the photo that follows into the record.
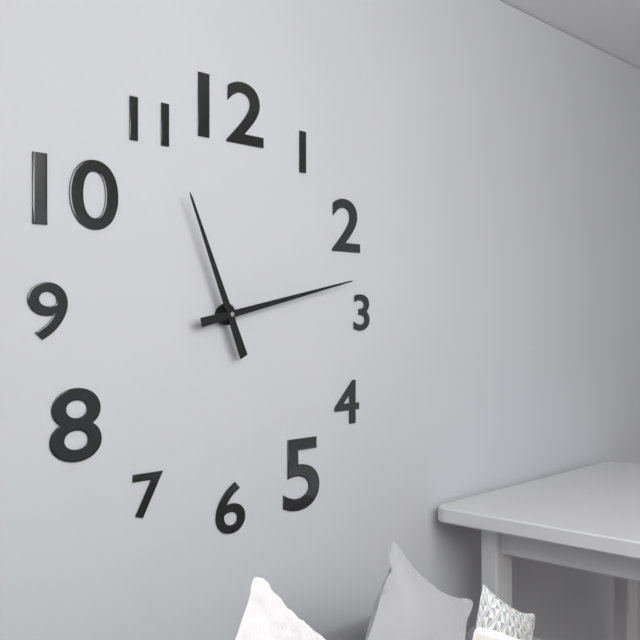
11:13
